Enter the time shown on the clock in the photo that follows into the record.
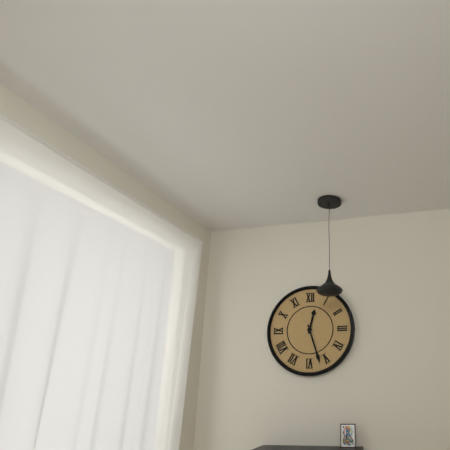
12:27
